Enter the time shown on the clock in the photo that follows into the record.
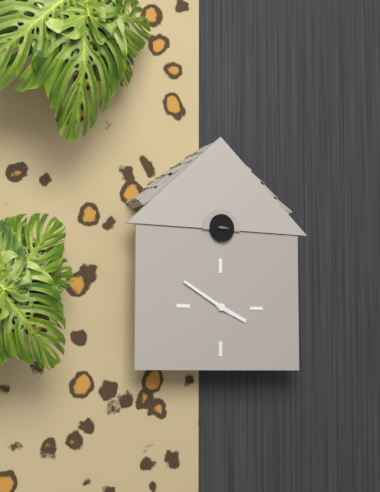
3:50
